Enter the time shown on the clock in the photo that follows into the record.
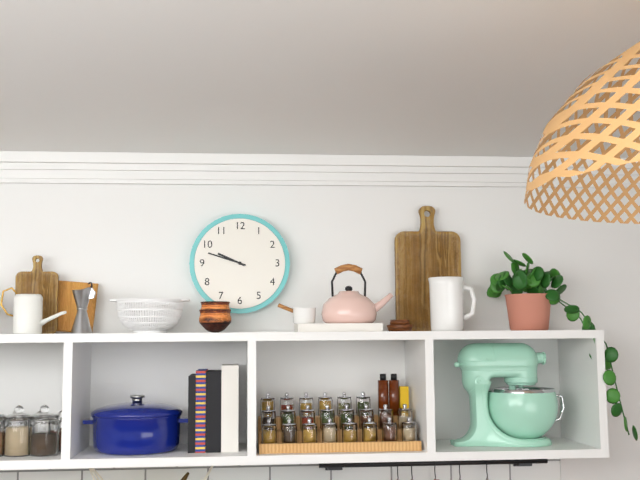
9:48
